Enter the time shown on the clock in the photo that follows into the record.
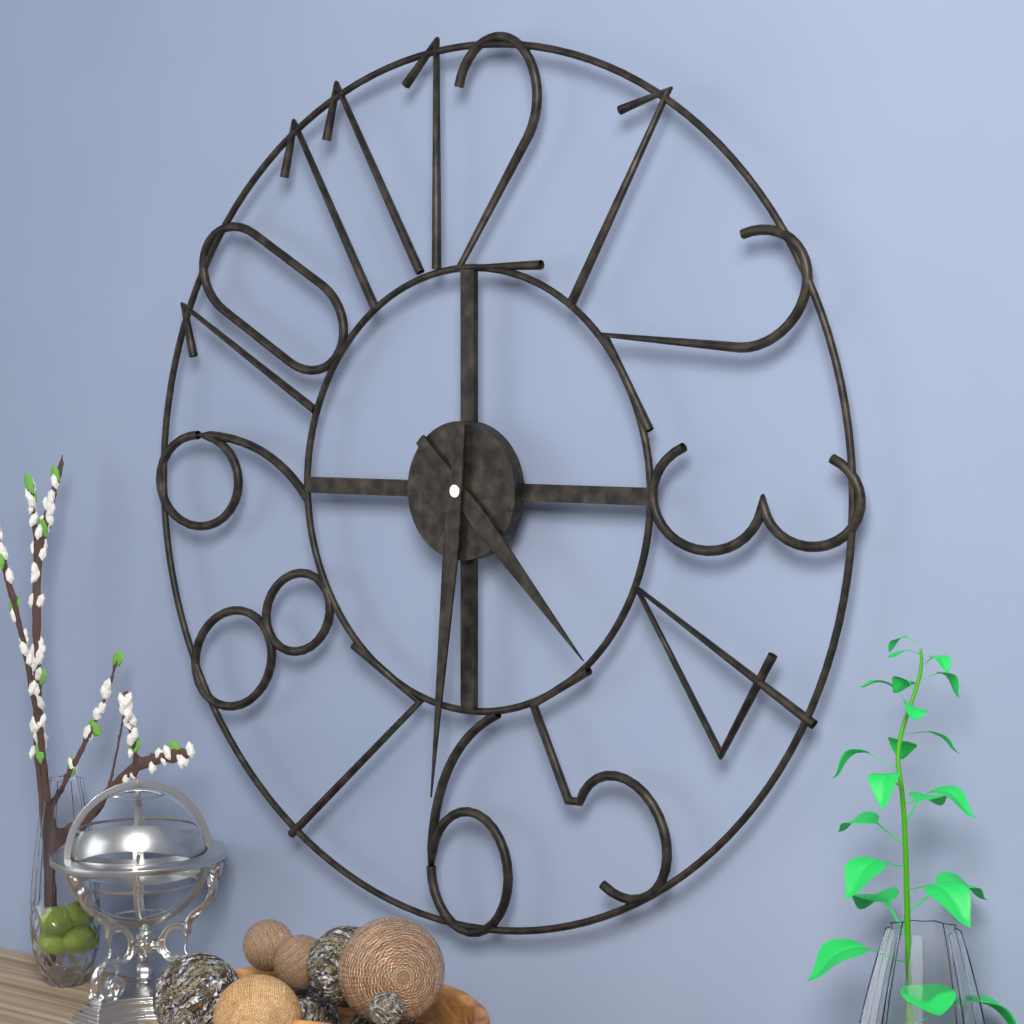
4:31
